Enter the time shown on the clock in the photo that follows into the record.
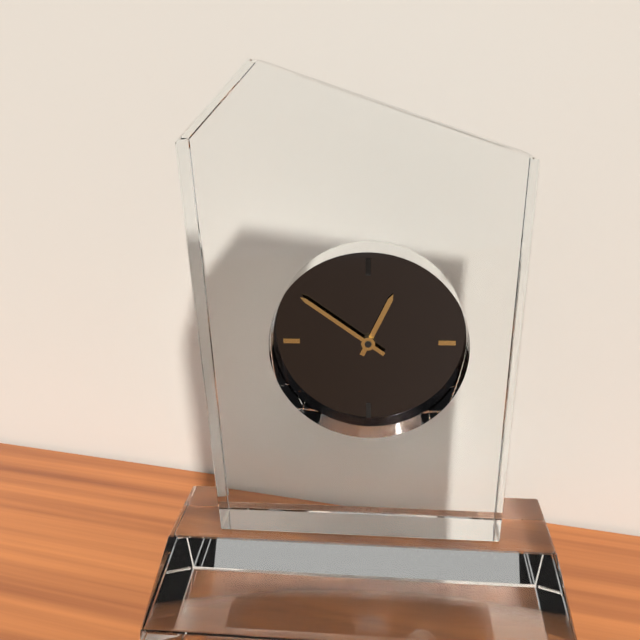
12:51
